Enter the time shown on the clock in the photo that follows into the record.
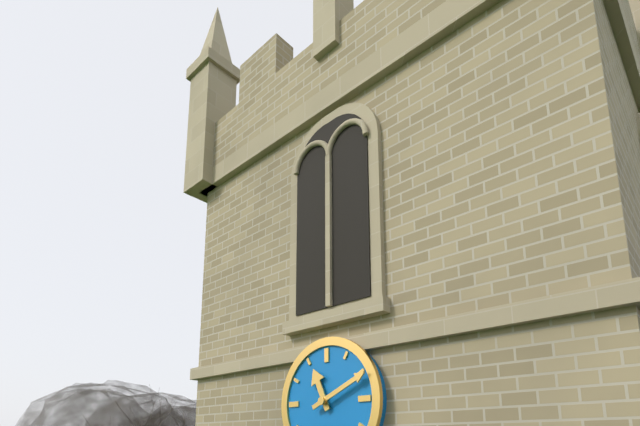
11:11
